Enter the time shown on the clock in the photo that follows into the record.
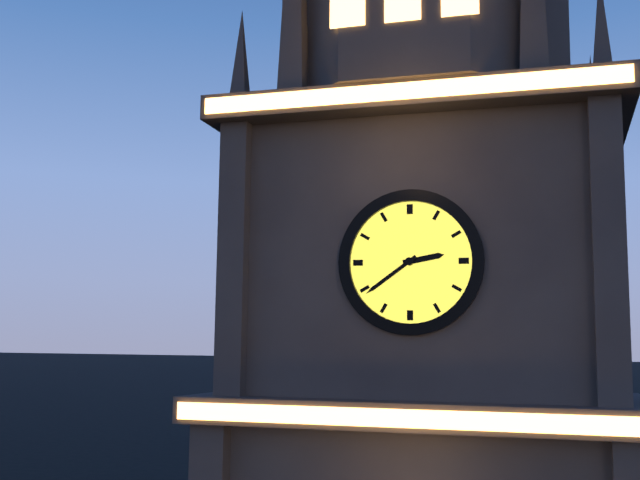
2:39
